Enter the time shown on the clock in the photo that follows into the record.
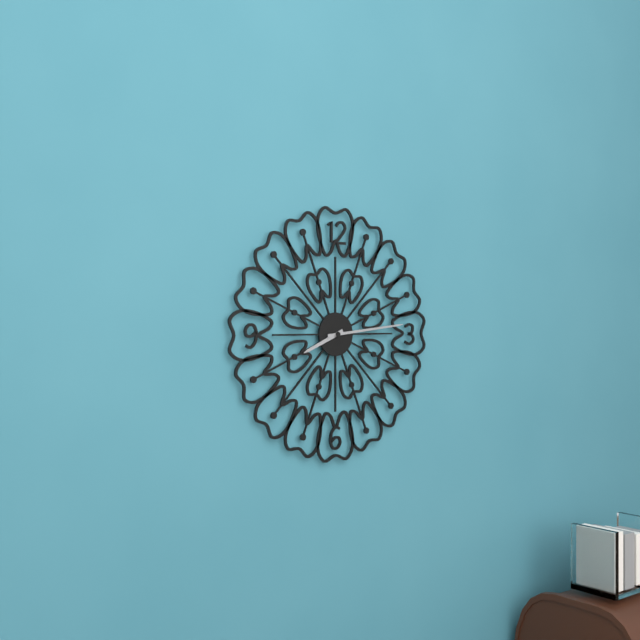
8:14
